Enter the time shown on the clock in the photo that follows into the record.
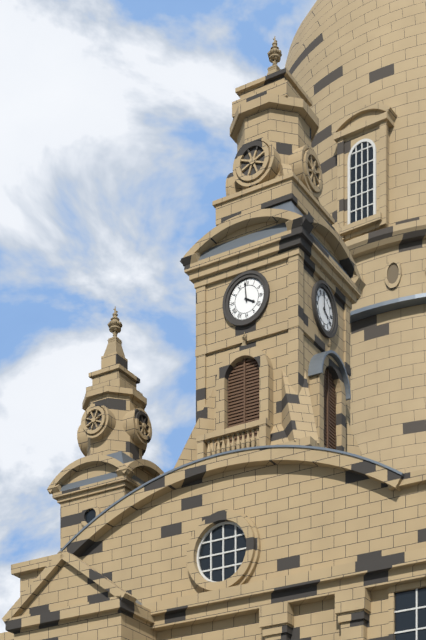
3:59
